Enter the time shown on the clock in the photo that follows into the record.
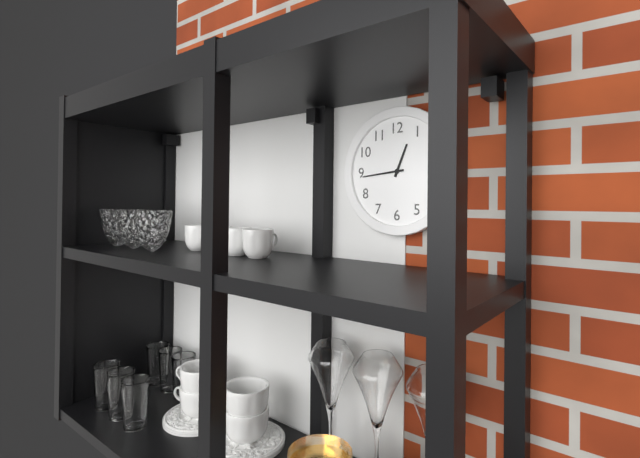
12:44
